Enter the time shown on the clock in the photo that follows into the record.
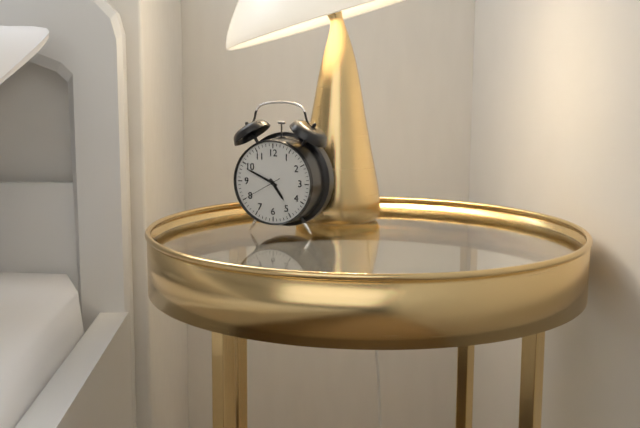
4:49
